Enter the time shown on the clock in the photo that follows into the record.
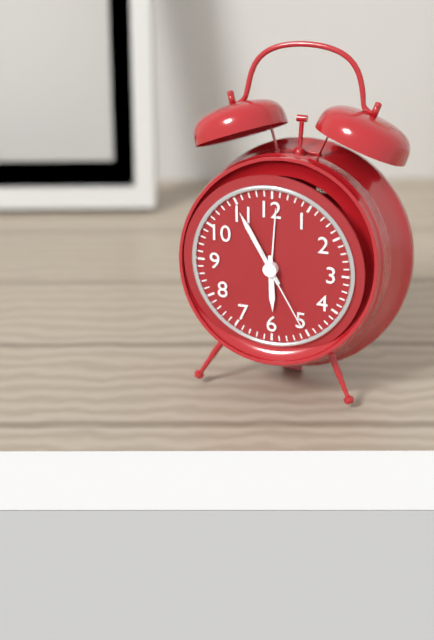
5:55:25
